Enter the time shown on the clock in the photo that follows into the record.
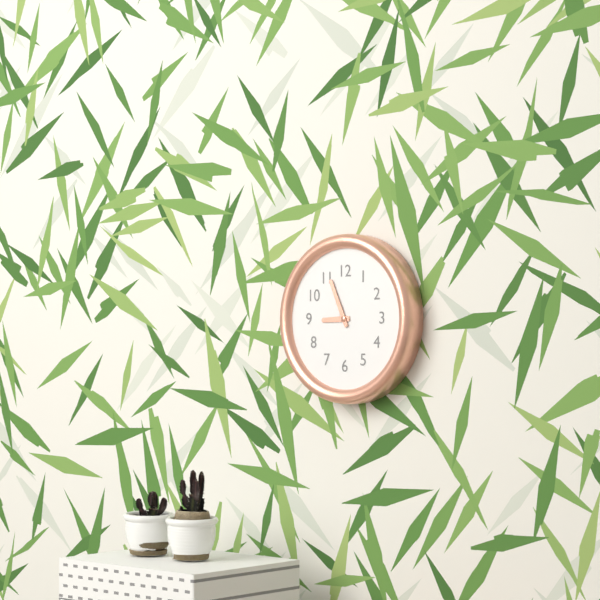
8:56
